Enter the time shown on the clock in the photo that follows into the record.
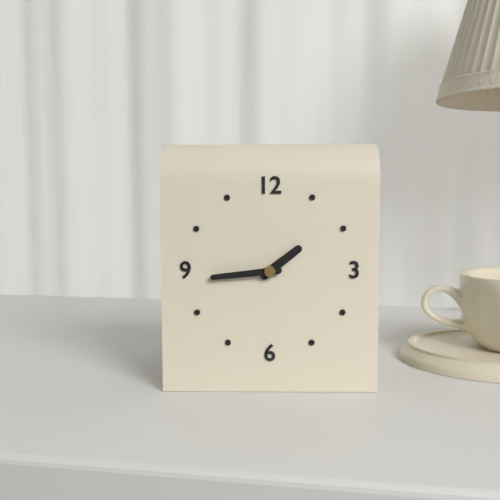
1:44
